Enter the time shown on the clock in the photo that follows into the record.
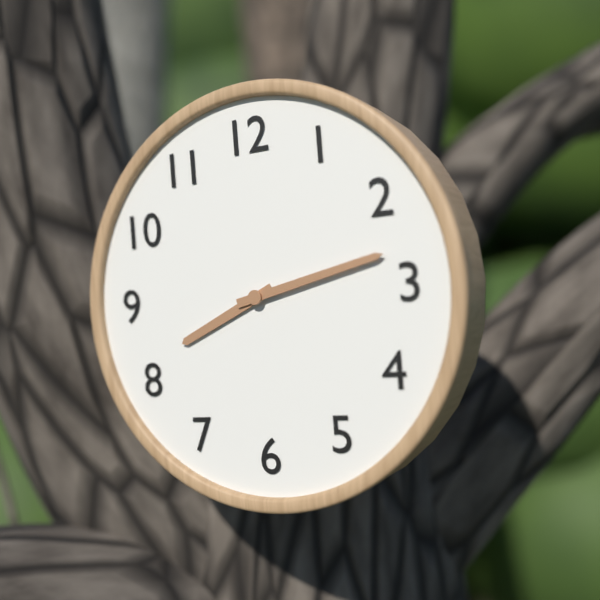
8:13
